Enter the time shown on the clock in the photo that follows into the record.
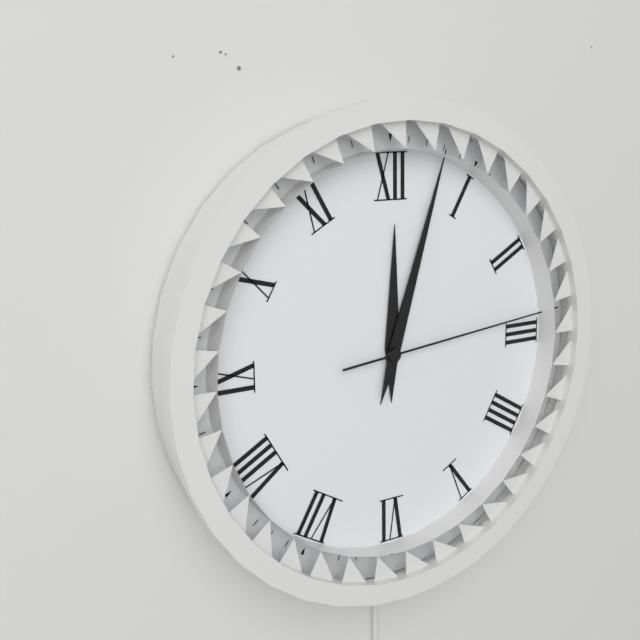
12:03:14
